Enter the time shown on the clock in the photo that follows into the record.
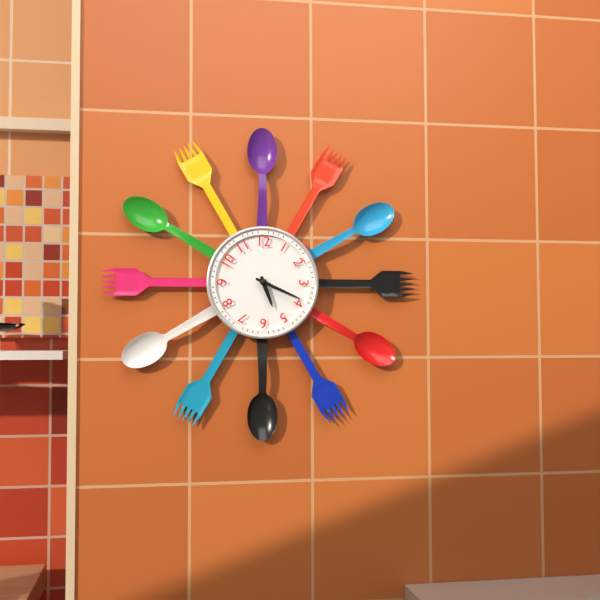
5:19
